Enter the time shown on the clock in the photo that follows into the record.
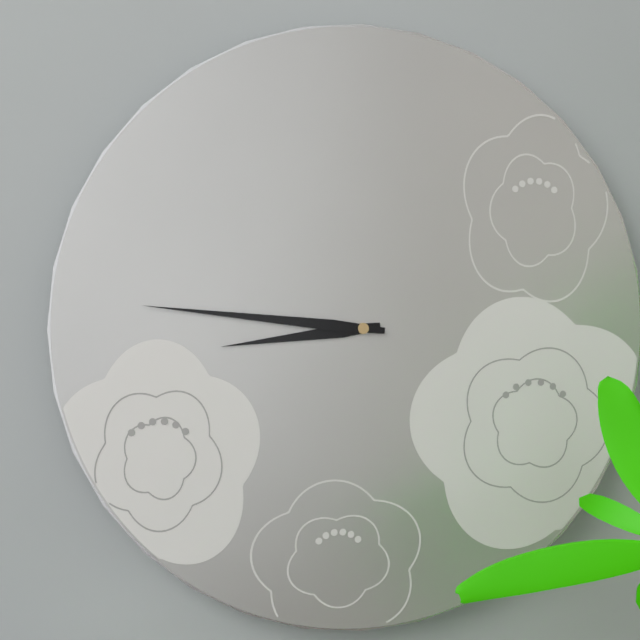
8:46
